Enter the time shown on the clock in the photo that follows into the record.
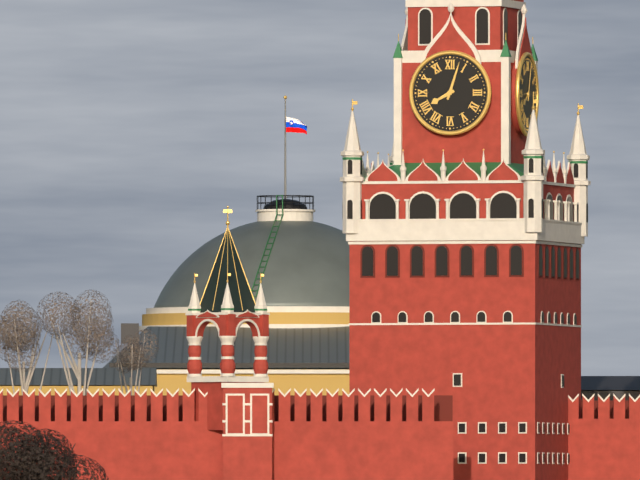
8:03
